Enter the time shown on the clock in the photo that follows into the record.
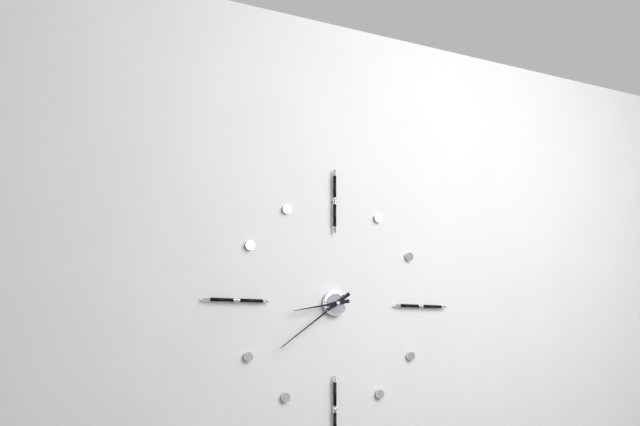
8:39
